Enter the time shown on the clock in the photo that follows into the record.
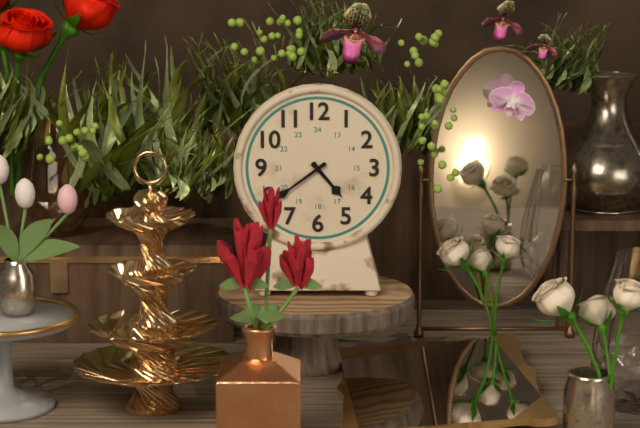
4:39
